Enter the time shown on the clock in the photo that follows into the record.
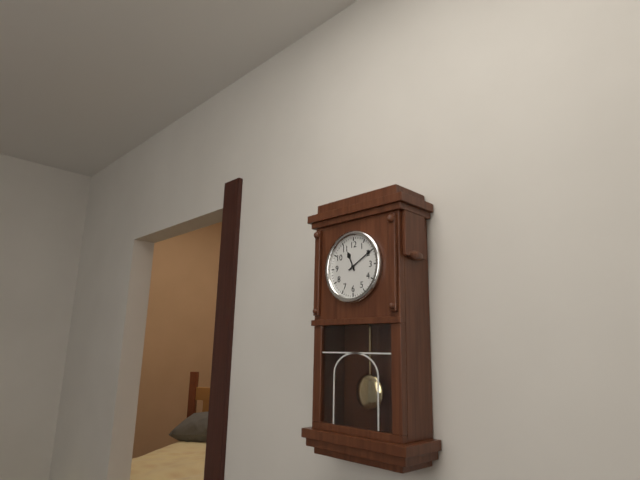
11:10
